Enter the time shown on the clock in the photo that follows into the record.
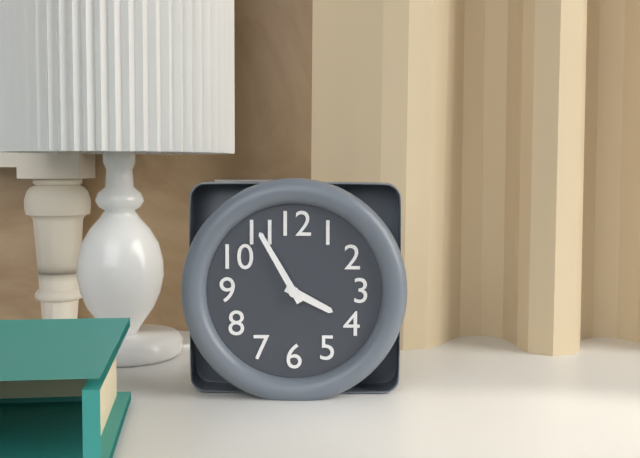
3:55
